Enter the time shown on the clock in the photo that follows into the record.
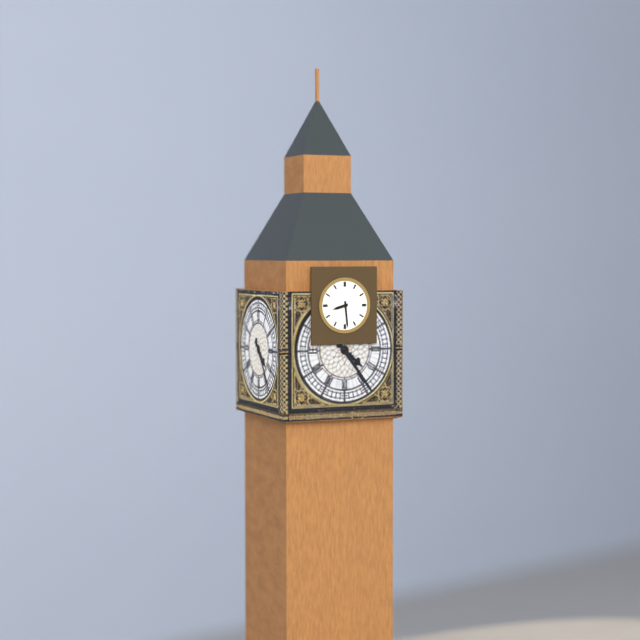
8:29
